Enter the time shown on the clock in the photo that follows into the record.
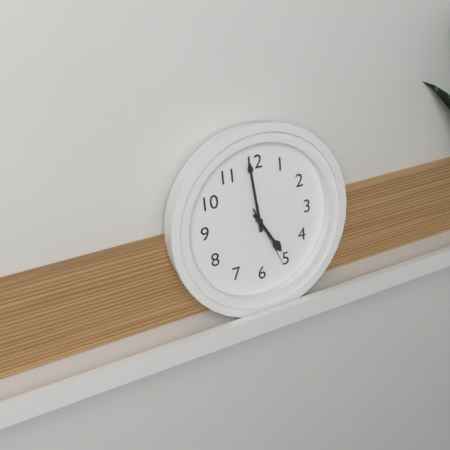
4:59:26
